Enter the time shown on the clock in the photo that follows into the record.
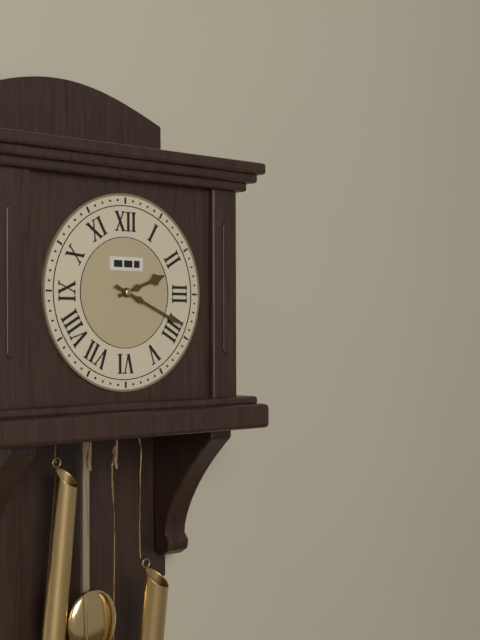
2:19
